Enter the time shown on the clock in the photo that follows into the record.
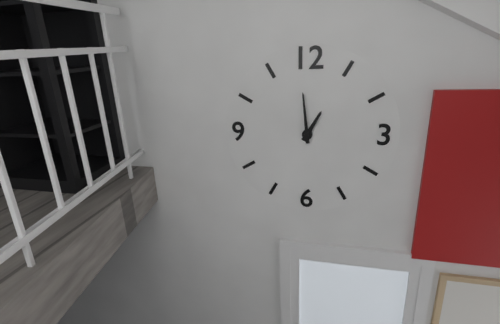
12:59
